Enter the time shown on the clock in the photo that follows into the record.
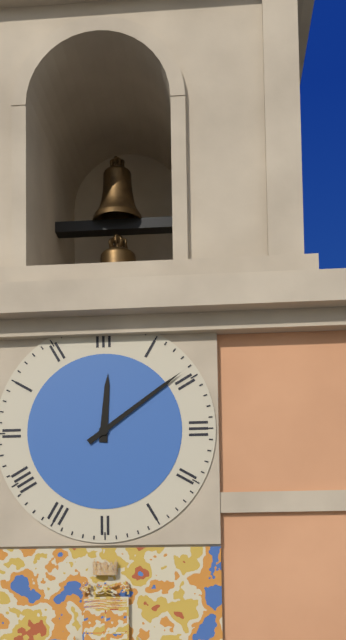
12:09
